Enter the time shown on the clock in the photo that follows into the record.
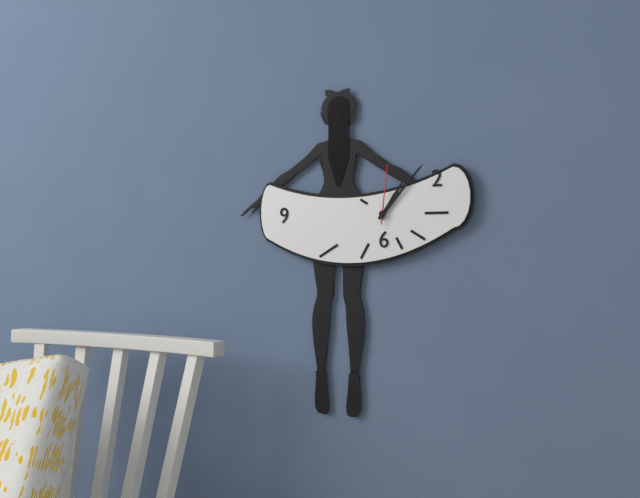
1:07:01
